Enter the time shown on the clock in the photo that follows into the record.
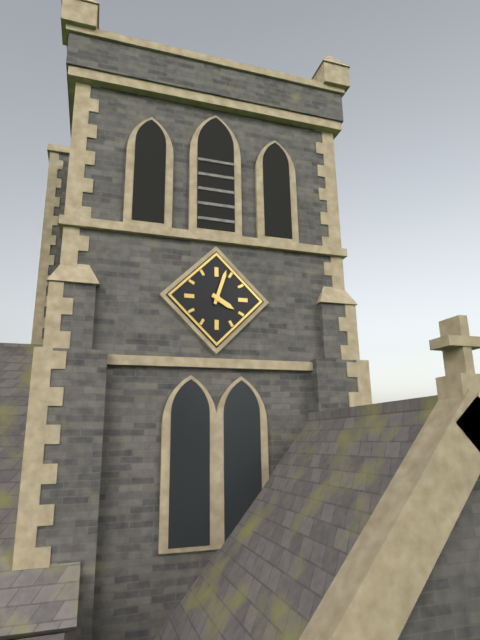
4:03
